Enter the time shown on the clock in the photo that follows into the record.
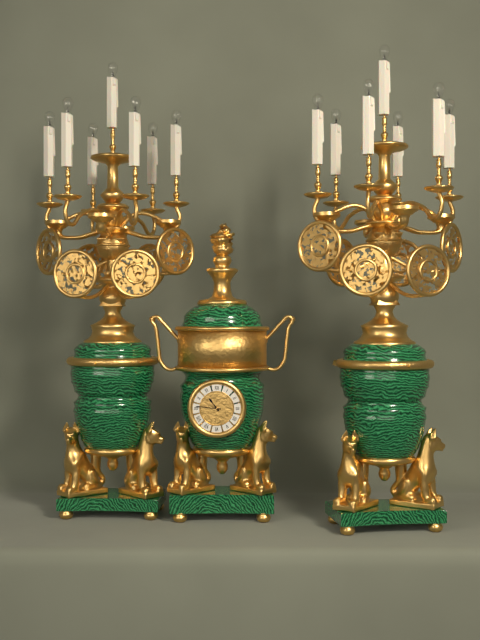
10:46
